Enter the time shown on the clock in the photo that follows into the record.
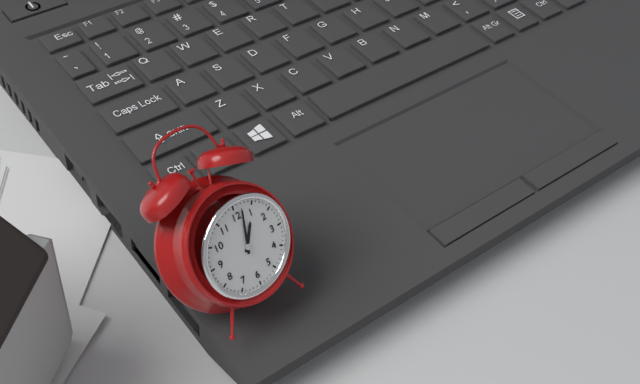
1:02
